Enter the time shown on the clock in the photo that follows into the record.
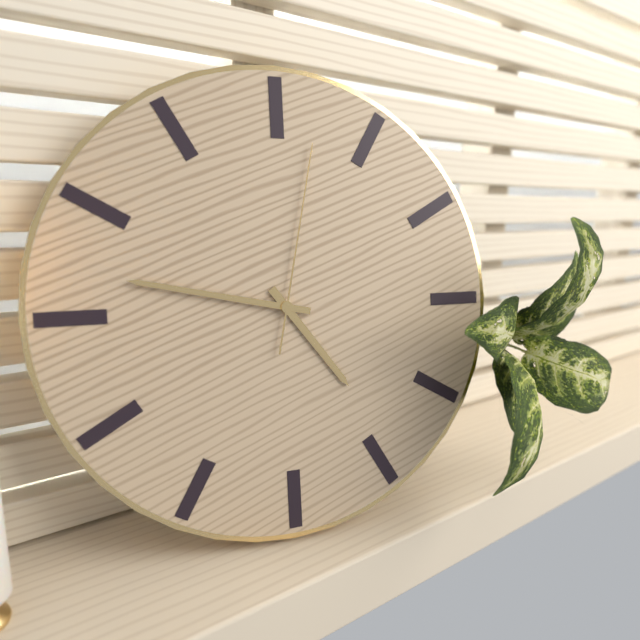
4:47:02
